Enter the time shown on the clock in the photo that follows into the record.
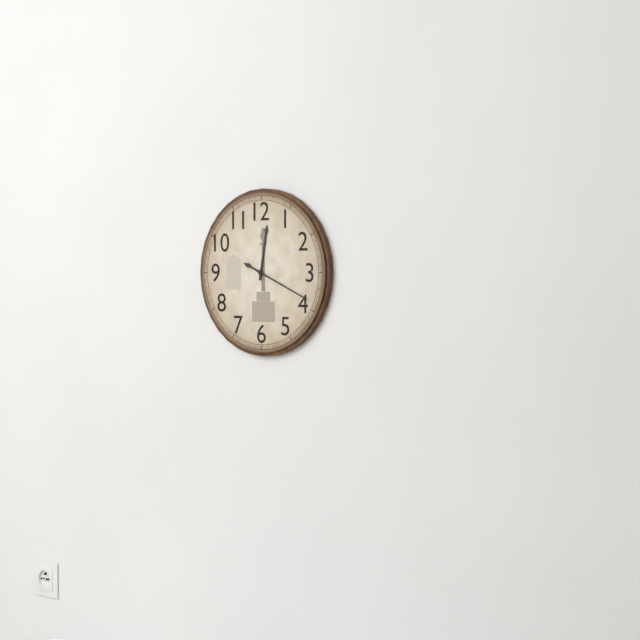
12:19
